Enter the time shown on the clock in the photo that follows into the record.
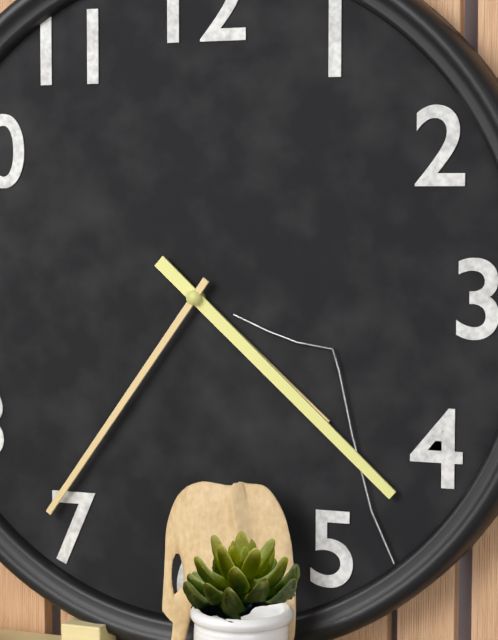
4:22:36
